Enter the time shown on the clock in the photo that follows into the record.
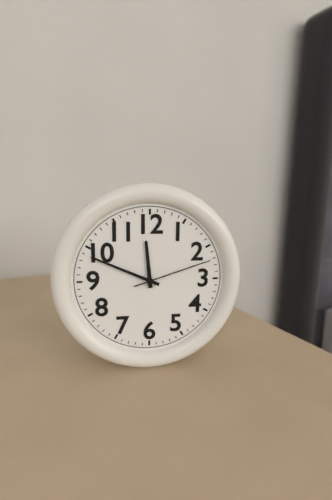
11:49:12
